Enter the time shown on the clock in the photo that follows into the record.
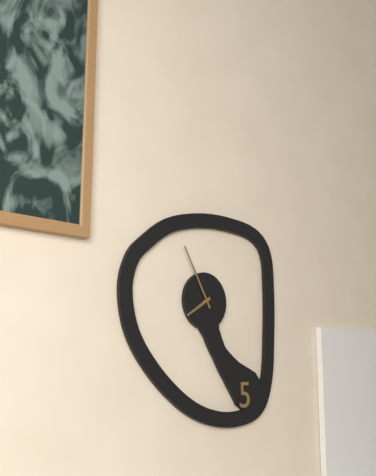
7:55
